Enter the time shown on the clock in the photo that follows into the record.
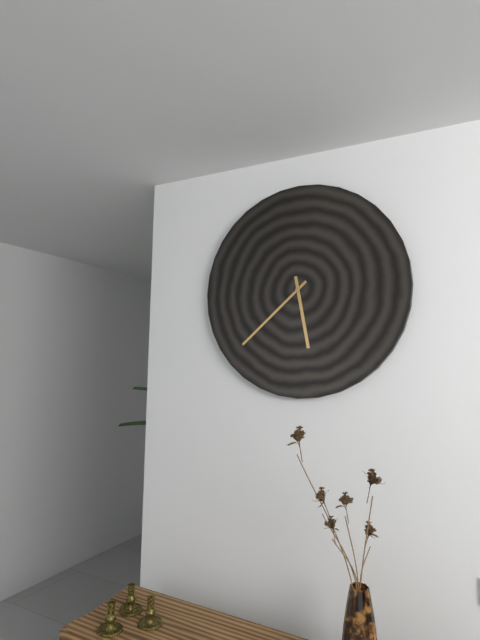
5:38
